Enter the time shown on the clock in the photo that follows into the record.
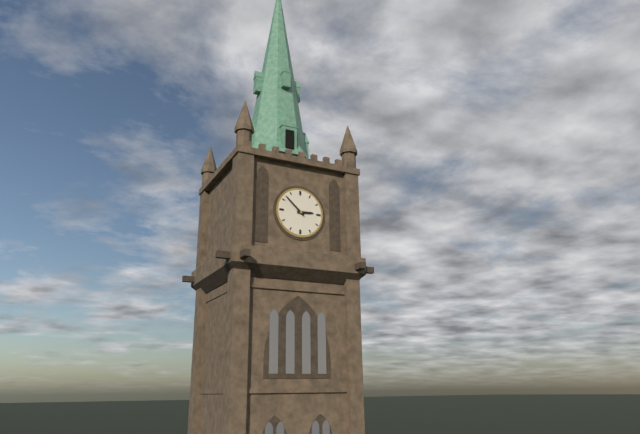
2:52
